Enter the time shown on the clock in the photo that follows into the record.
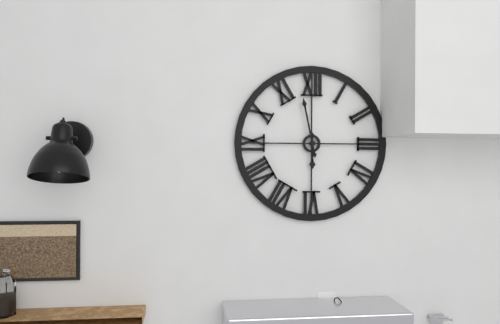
5:58
